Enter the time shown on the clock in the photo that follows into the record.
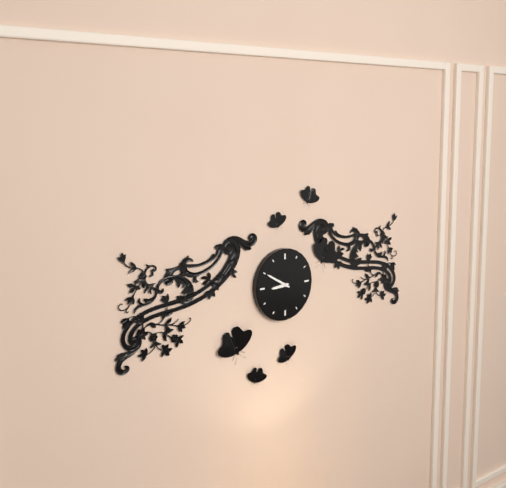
8:50
